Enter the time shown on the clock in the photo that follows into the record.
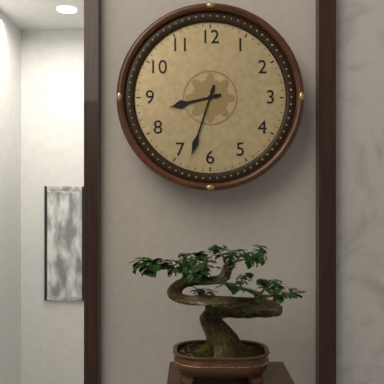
8:33
